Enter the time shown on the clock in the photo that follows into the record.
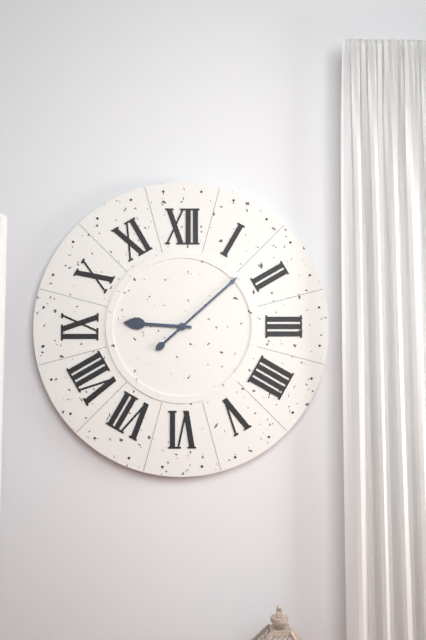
9:08
